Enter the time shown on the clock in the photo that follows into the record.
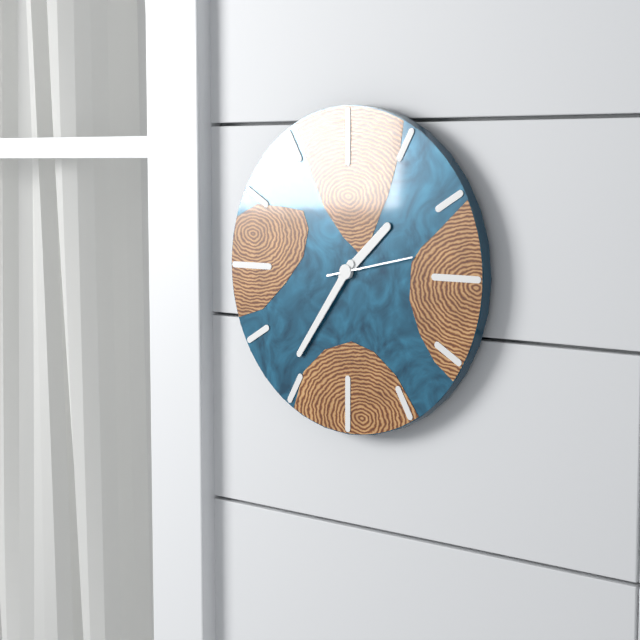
1:36:13
